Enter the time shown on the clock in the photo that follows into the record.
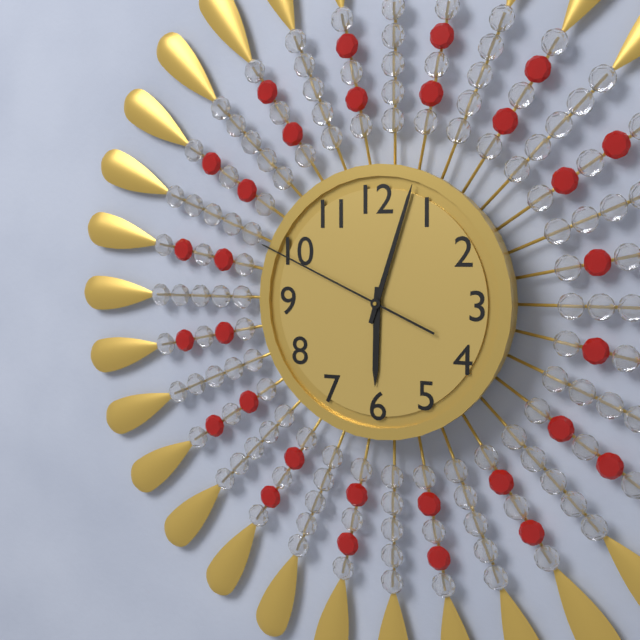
6:03:49
